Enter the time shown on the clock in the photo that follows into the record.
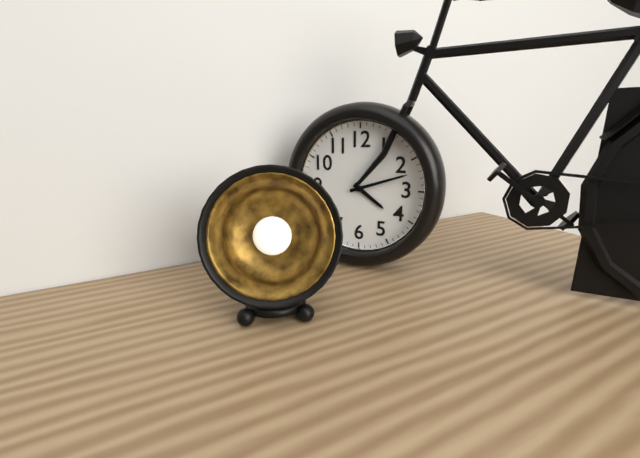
4:12
